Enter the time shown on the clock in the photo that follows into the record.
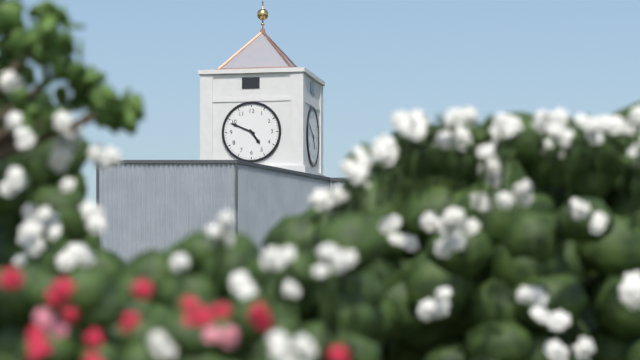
4:49
